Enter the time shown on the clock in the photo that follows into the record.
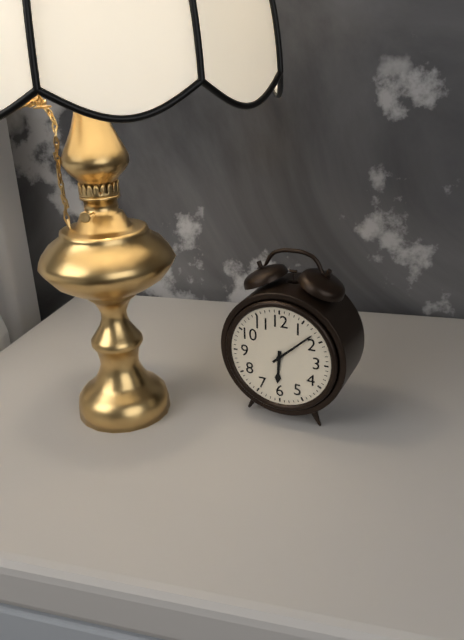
6:08
